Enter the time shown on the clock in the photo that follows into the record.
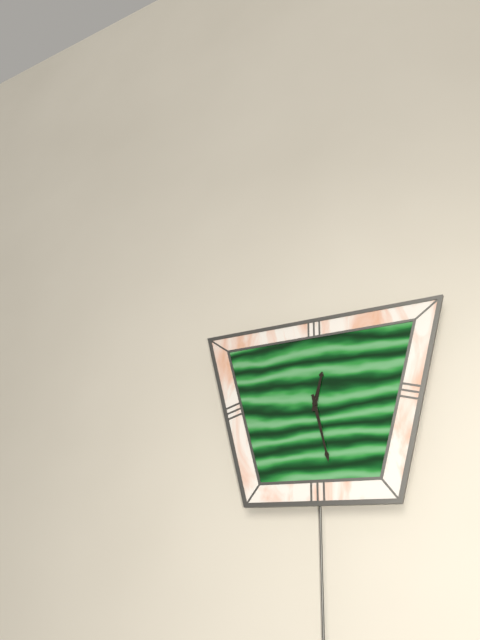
12:28
